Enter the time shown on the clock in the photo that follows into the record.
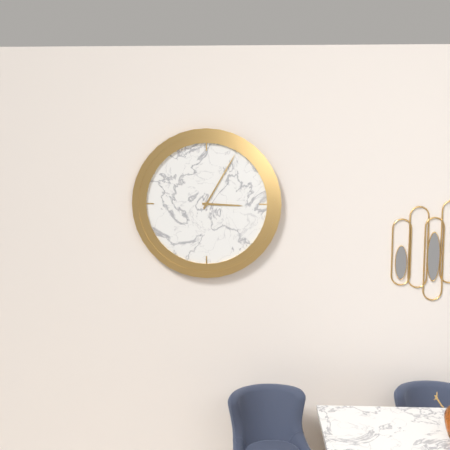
3:05
